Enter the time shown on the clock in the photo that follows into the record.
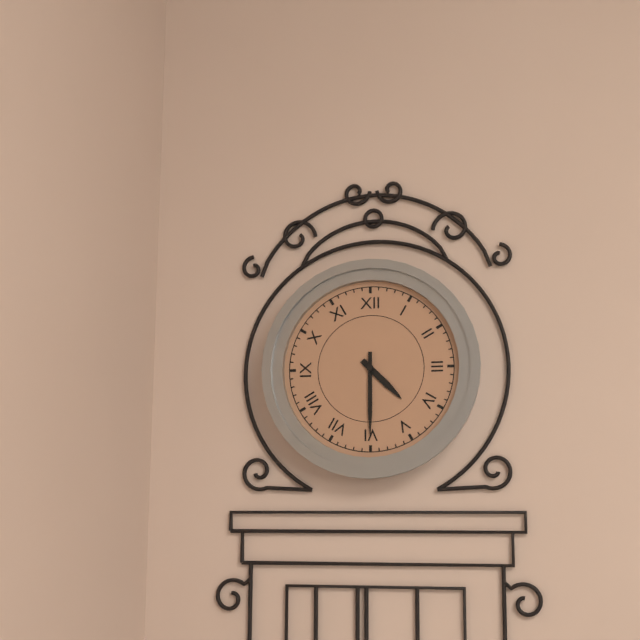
4:30
